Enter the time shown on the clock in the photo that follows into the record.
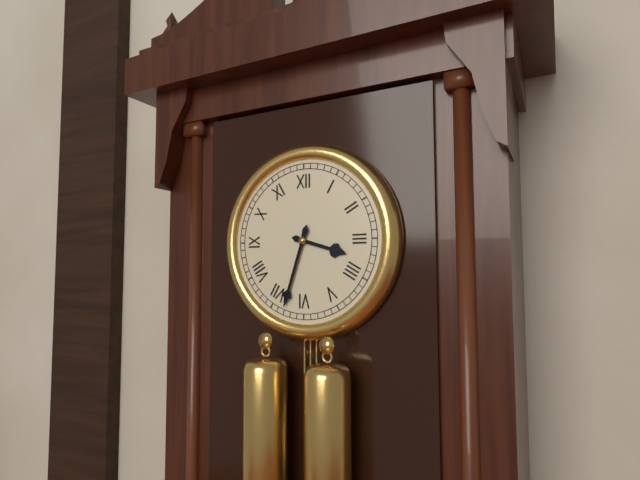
3:33
